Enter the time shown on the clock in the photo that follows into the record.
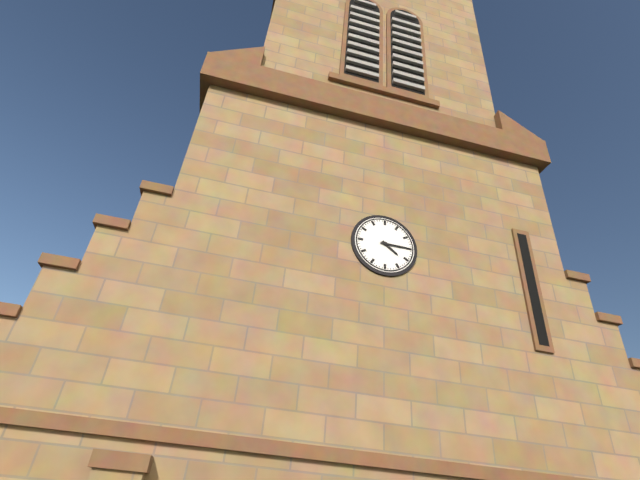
4:15
